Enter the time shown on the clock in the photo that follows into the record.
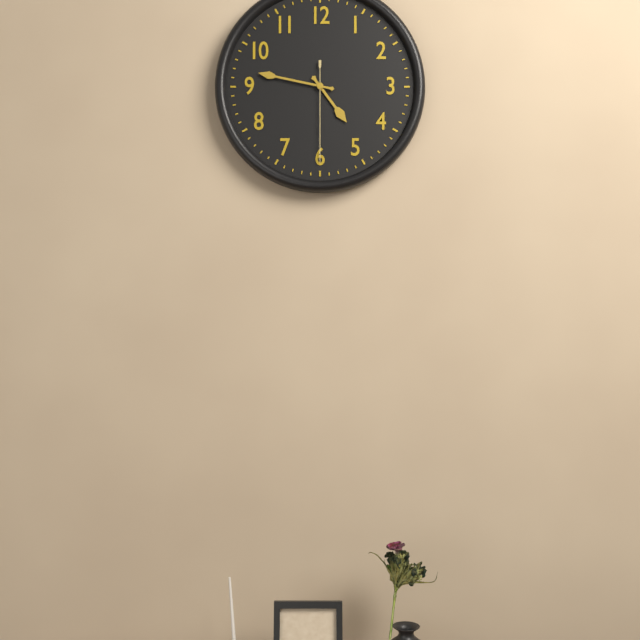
4:47:30
